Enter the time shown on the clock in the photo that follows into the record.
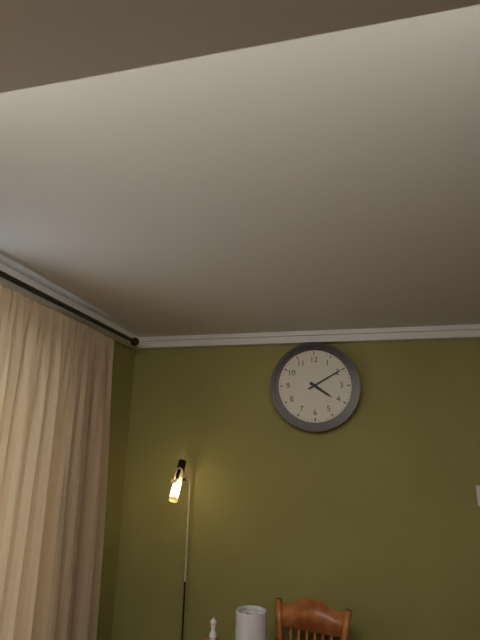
4:10
